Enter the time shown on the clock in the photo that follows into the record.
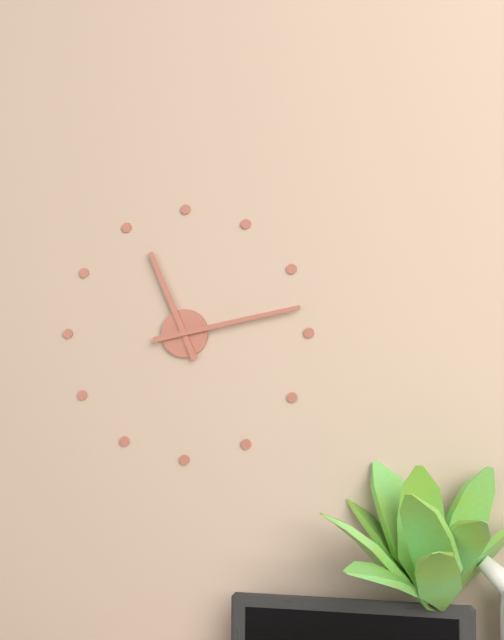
11:13
